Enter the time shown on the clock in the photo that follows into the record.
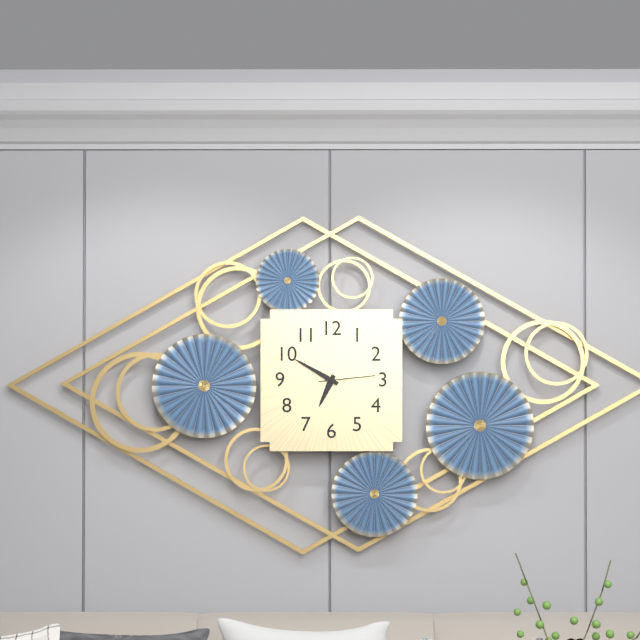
6:50:14
